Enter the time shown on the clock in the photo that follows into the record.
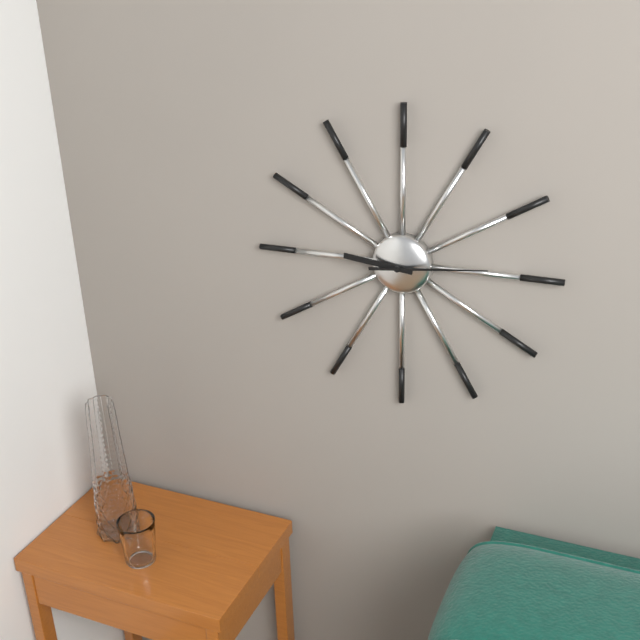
9:14
